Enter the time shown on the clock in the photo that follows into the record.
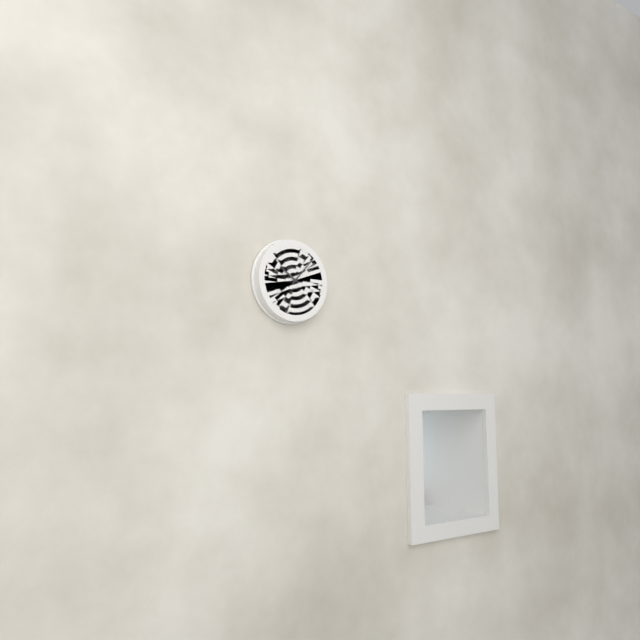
10:07
